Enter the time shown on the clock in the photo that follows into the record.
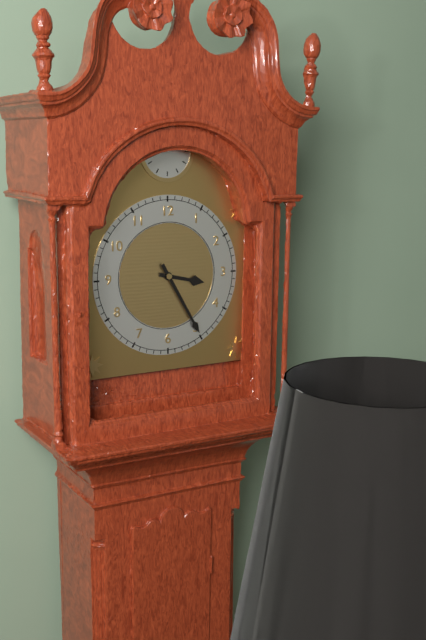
3:25
